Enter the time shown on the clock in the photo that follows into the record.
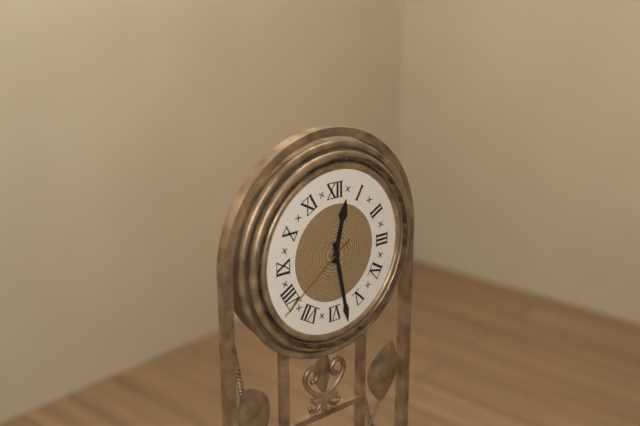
12:28:39
